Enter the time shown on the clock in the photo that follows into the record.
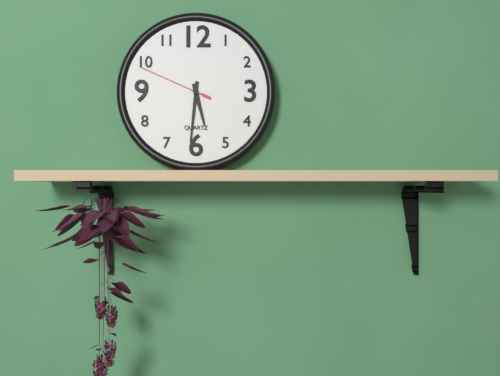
5:31:49
